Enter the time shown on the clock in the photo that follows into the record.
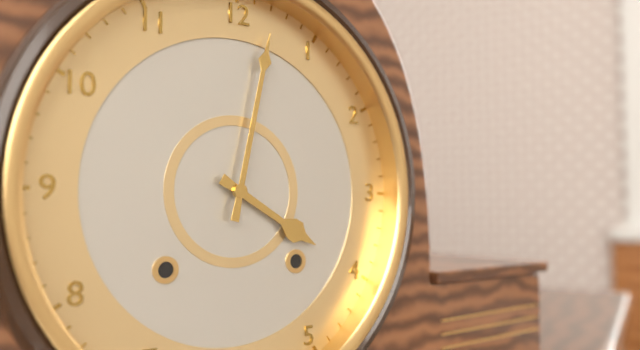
4:02
